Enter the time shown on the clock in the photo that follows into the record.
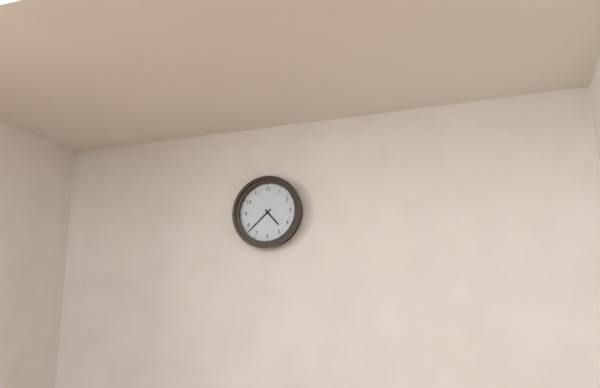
4:38
